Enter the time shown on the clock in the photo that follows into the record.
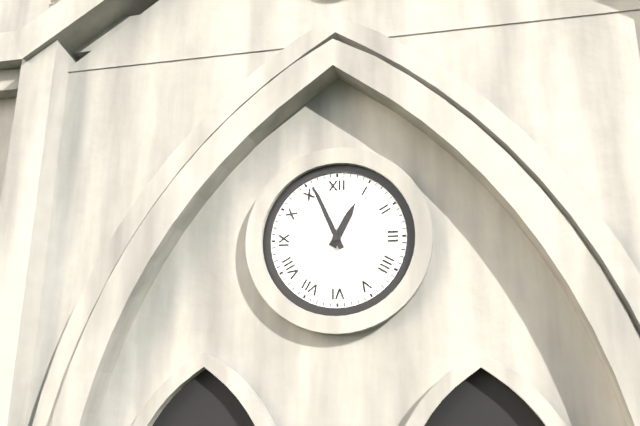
12:56
